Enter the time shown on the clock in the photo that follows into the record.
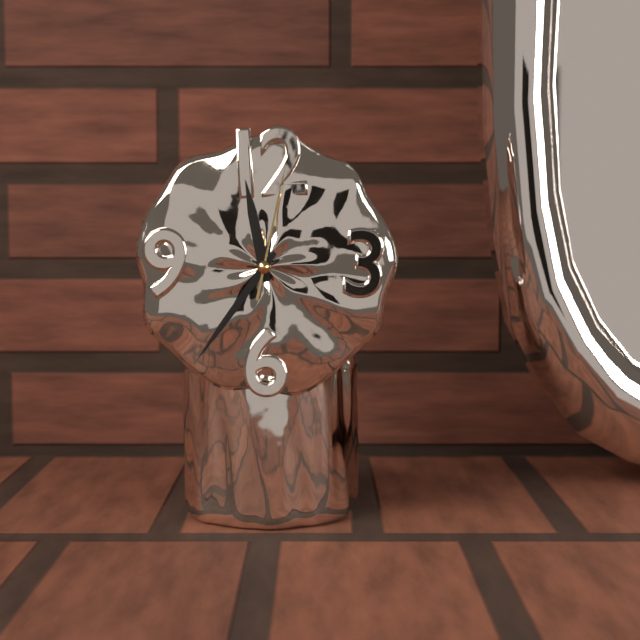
11:36:02
